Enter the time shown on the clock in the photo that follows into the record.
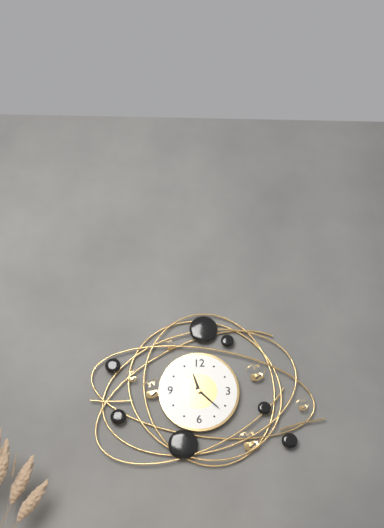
11:22
